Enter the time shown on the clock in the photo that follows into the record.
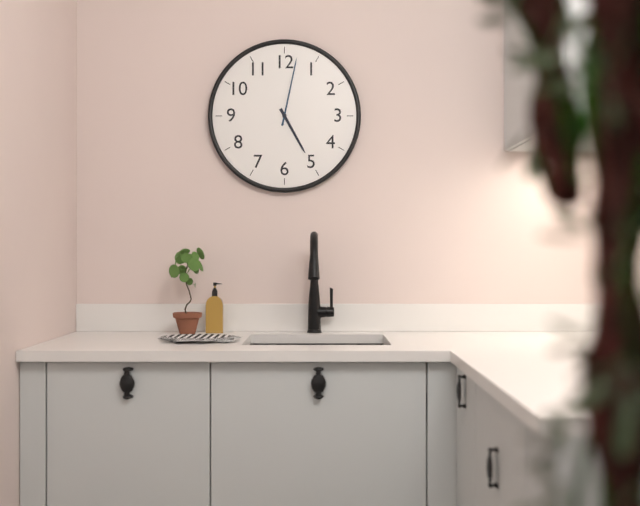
5:02
